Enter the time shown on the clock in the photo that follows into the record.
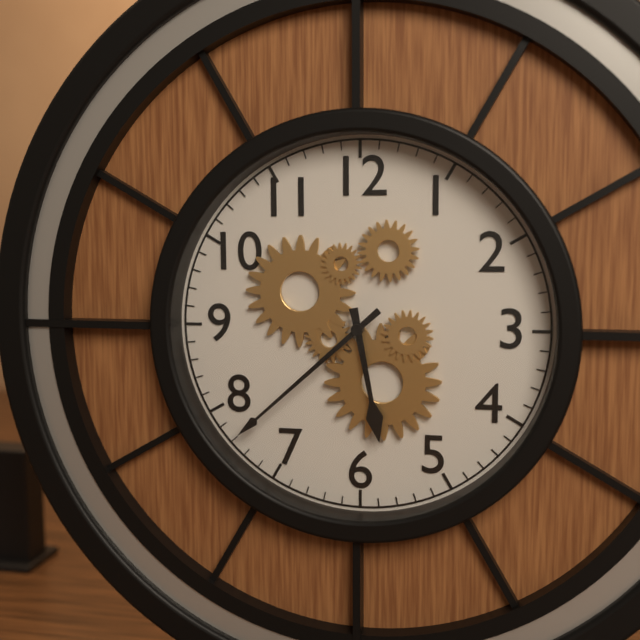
5:38
